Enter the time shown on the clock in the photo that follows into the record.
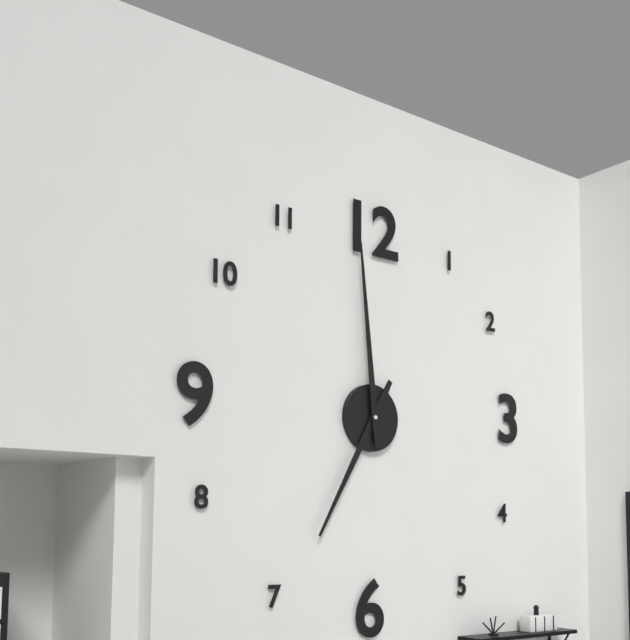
6:59
